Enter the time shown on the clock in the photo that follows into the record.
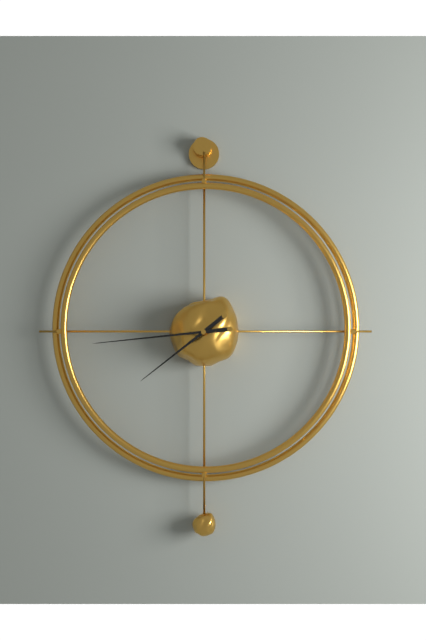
7:44
